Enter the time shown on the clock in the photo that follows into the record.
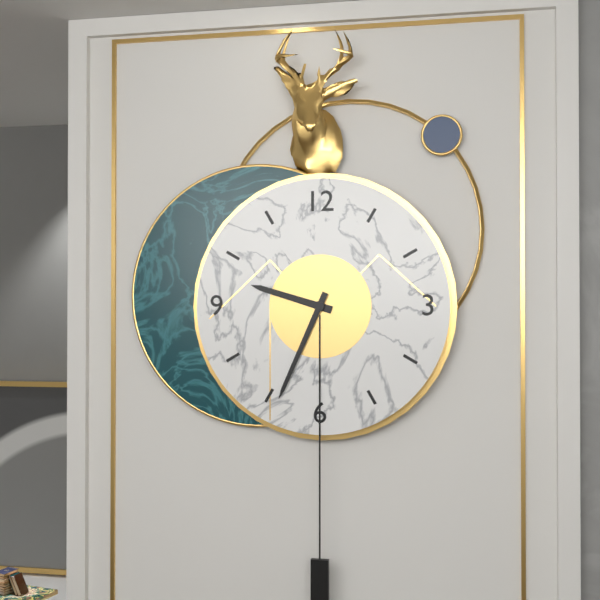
9:34
